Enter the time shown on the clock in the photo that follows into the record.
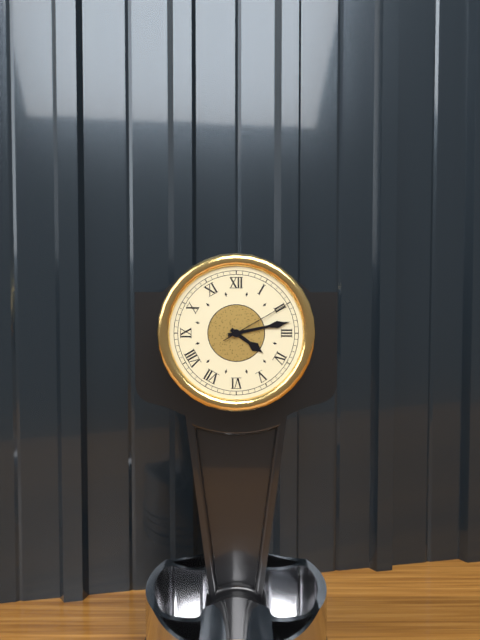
4:13:10
